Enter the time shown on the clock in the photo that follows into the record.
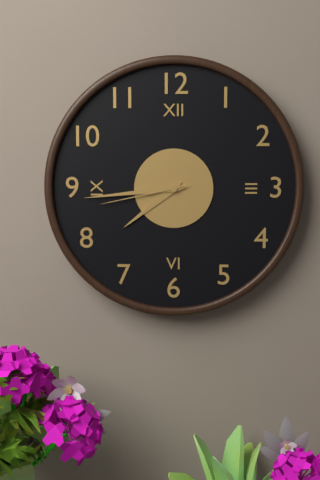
7:44:43
